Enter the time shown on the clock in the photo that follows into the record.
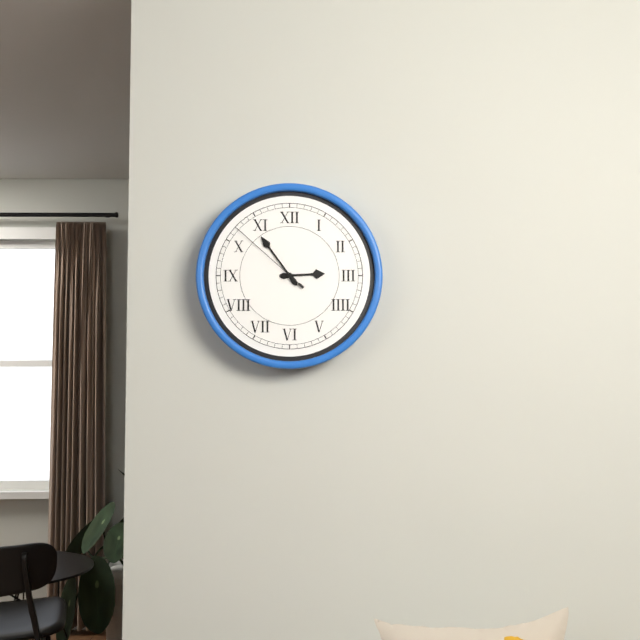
2:54:52
